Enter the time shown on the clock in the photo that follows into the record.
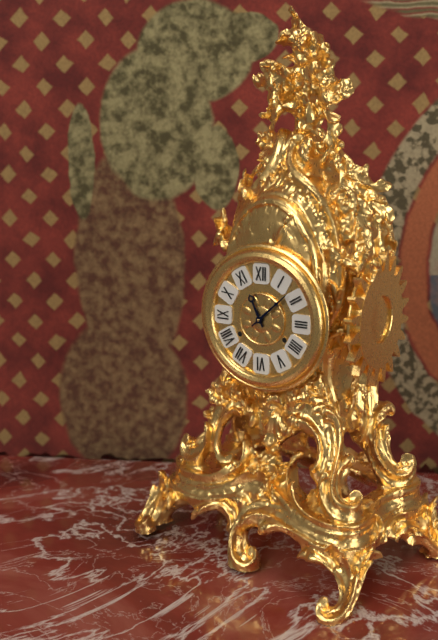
11:08
